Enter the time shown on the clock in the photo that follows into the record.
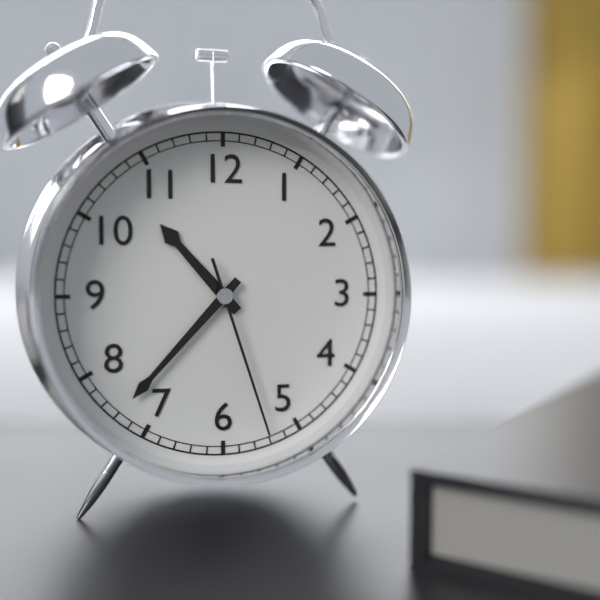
10:37:27
